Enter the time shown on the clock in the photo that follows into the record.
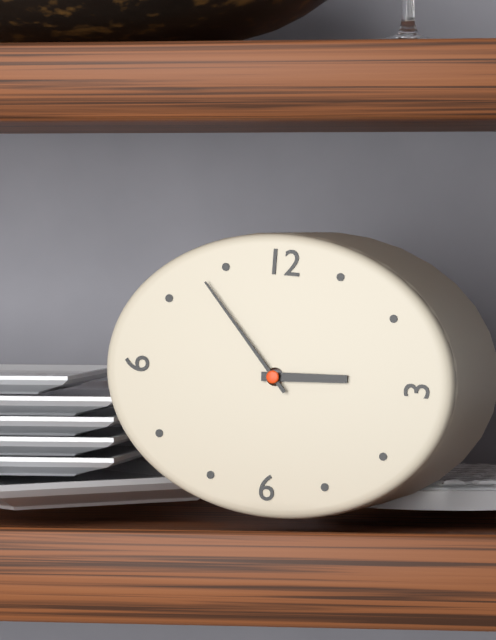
2:53
